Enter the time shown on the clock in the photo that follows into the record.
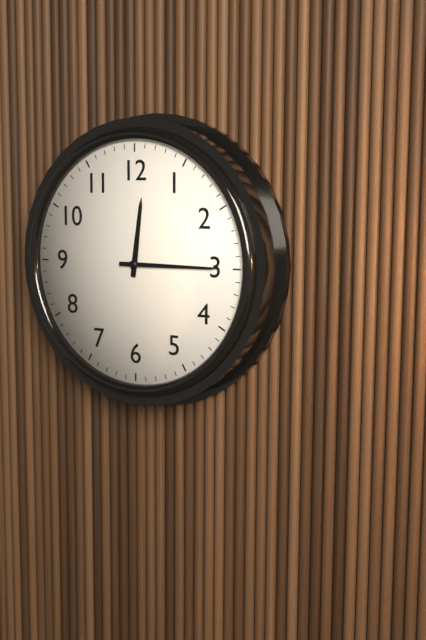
12:15
